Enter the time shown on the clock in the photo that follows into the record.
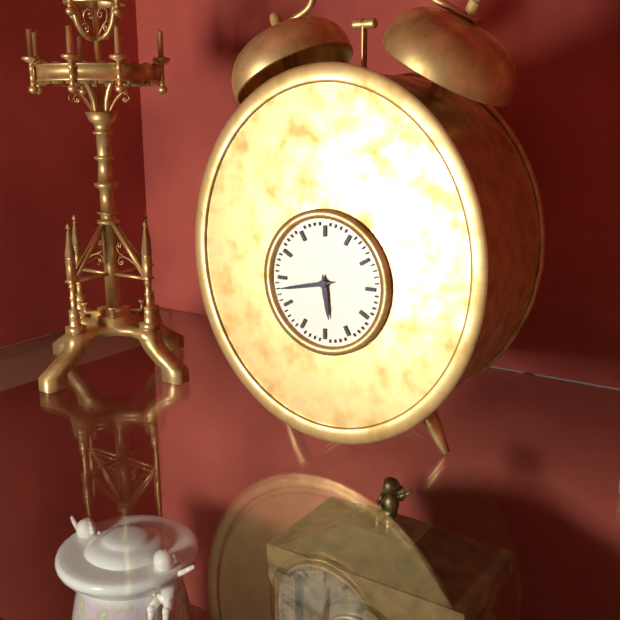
5:43
